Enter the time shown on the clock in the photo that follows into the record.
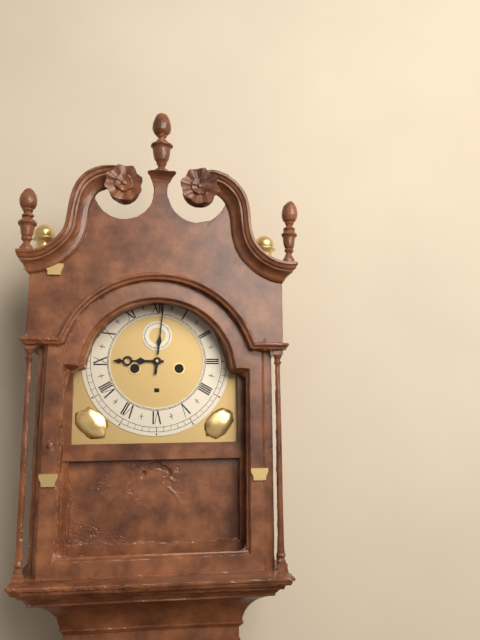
9:01
